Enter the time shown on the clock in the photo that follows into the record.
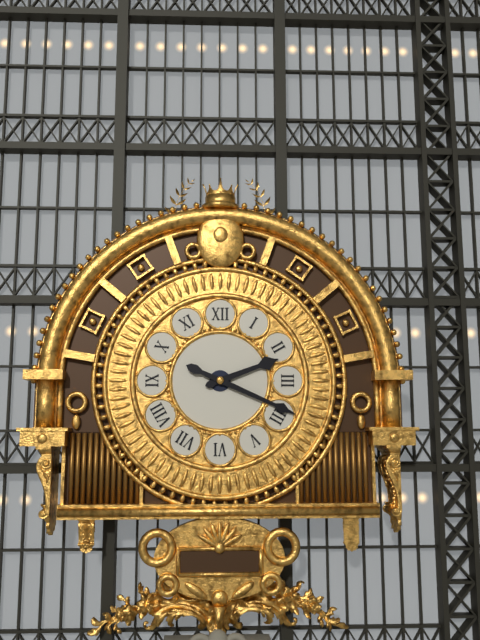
2:19
